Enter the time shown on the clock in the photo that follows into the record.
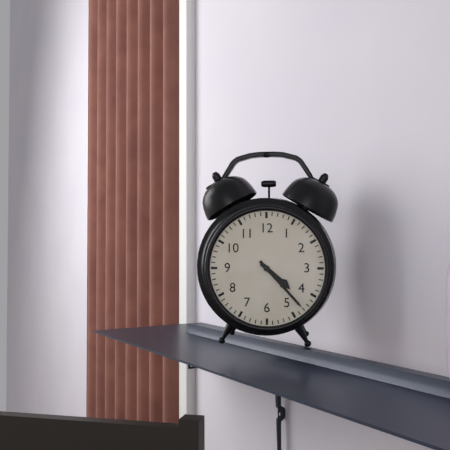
4:23
